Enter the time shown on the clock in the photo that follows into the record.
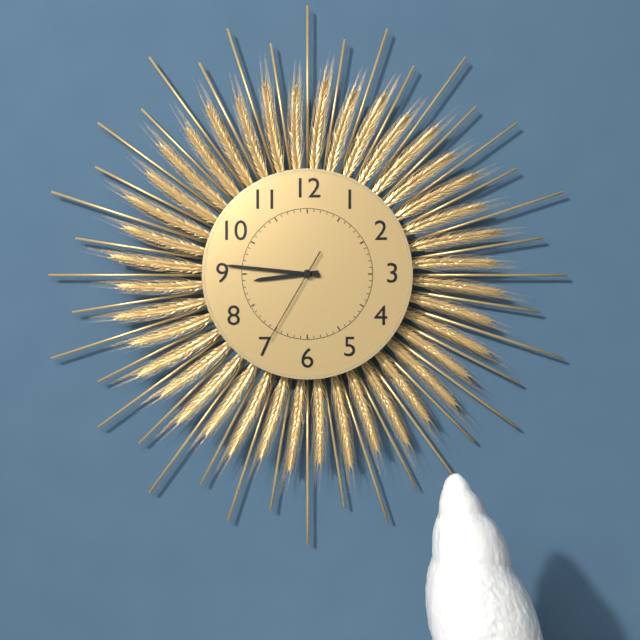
8:46:35
